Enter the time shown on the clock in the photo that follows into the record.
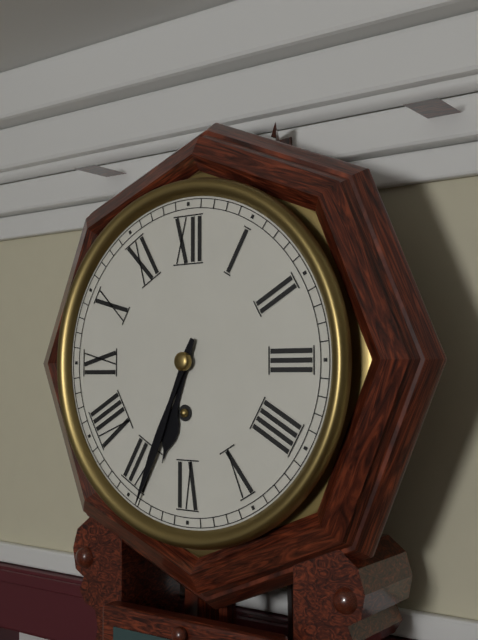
6:34
